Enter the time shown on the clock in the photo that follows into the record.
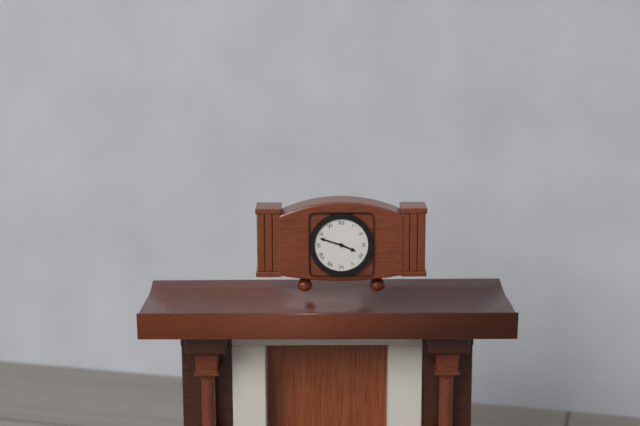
3:48
